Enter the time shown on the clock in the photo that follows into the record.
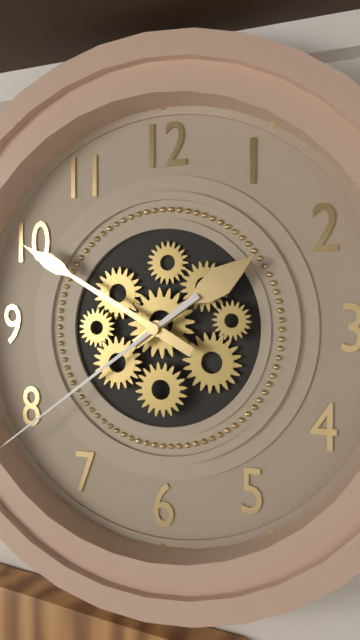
1:50
